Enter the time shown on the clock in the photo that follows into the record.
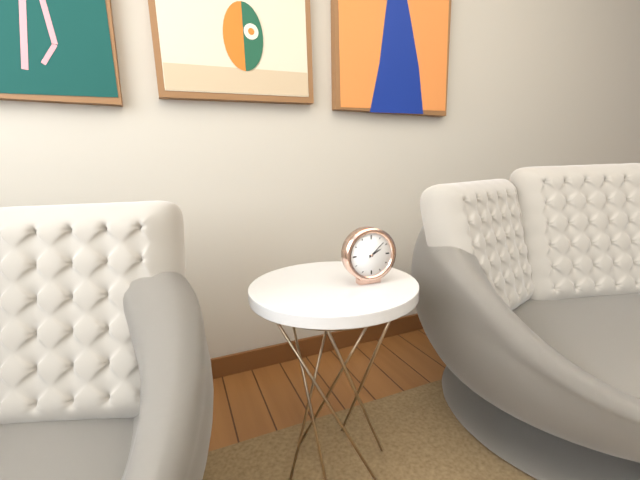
2:08
